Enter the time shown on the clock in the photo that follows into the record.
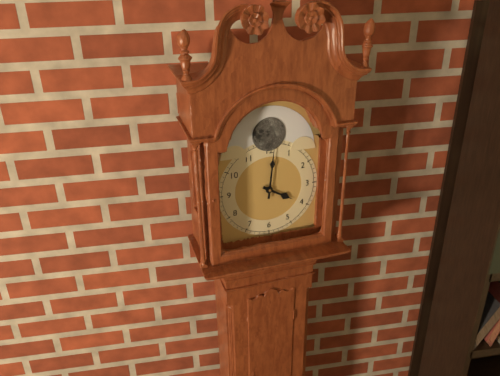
4:01
